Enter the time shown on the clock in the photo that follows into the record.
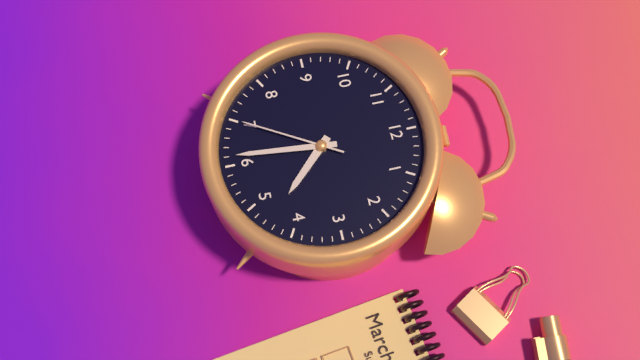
4:31:35
